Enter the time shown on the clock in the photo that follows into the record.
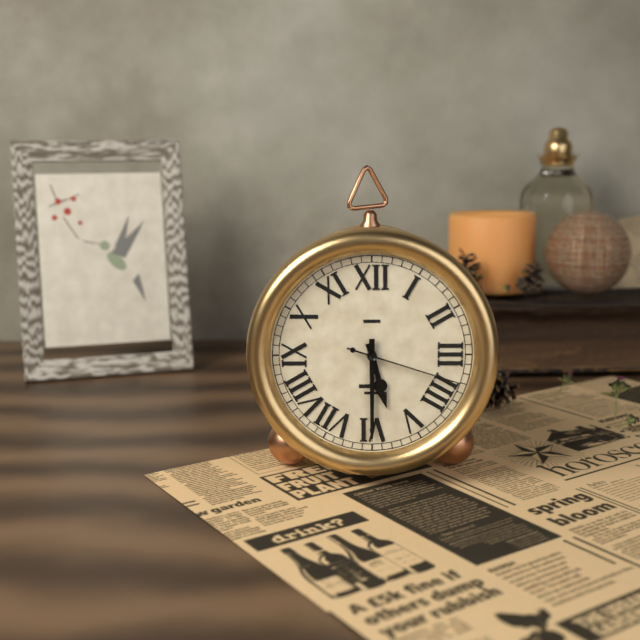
5:30:18
